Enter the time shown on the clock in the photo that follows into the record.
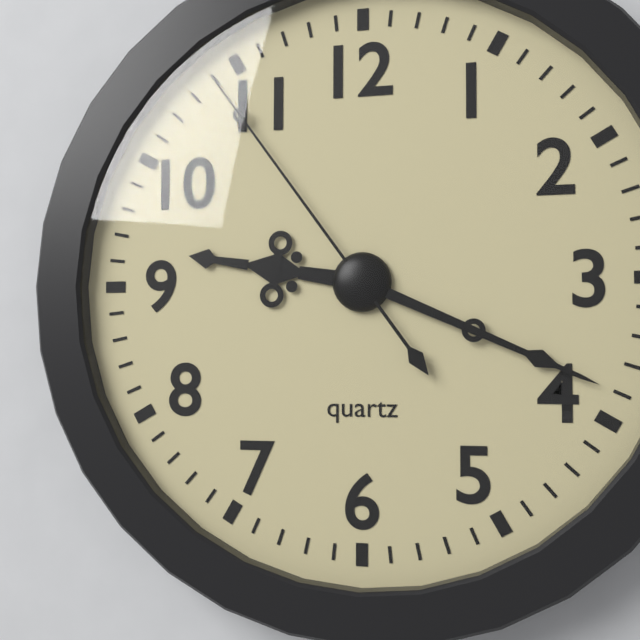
9:19:54
